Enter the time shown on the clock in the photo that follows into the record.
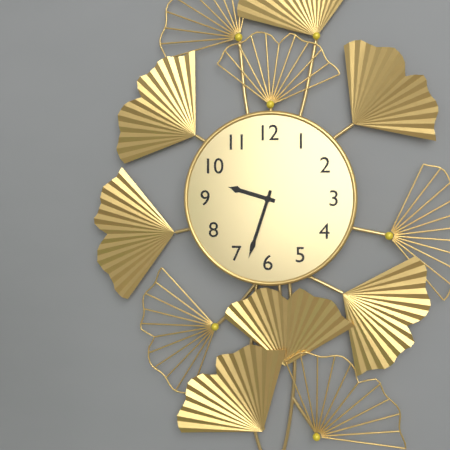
9:33
